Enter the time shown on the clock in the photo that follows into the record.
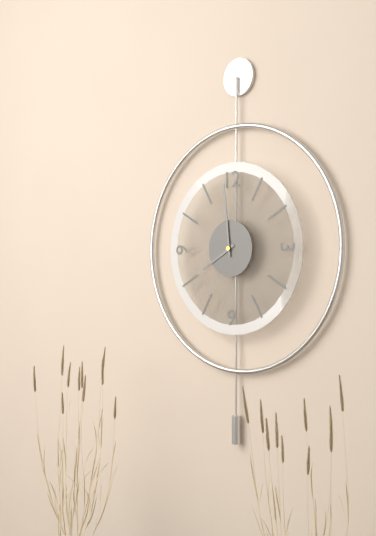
7:59
